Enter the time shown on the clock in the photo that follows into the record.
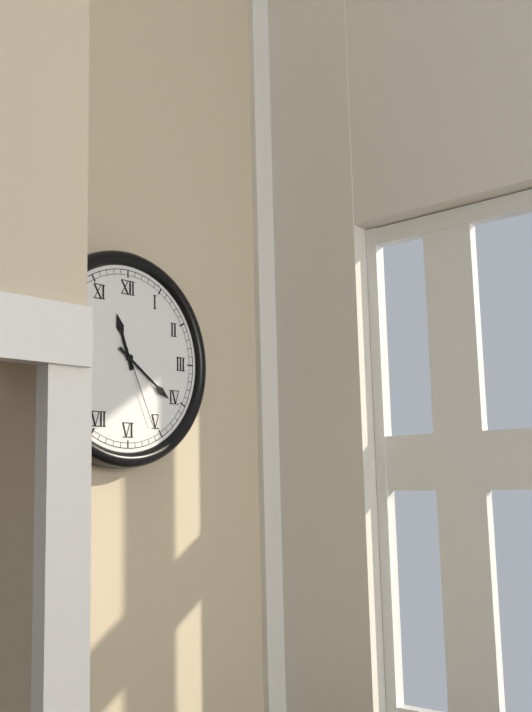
11:21:26
